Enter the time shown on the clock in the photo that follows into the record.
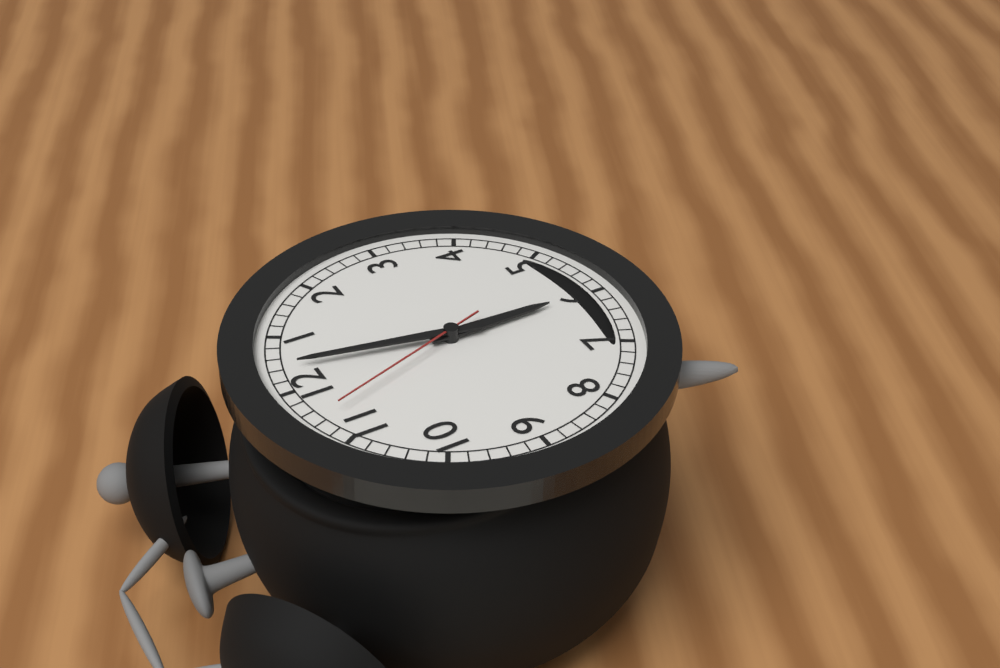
6:02:57
